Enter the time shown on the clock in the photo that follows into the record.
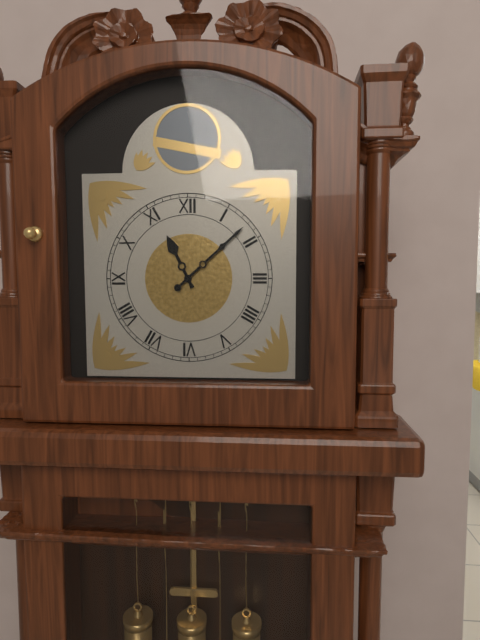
11:08
